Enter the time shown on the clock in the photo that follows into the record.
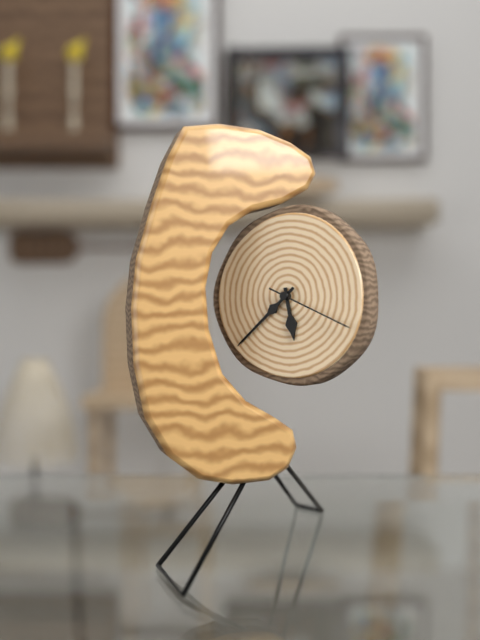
5:38:19
